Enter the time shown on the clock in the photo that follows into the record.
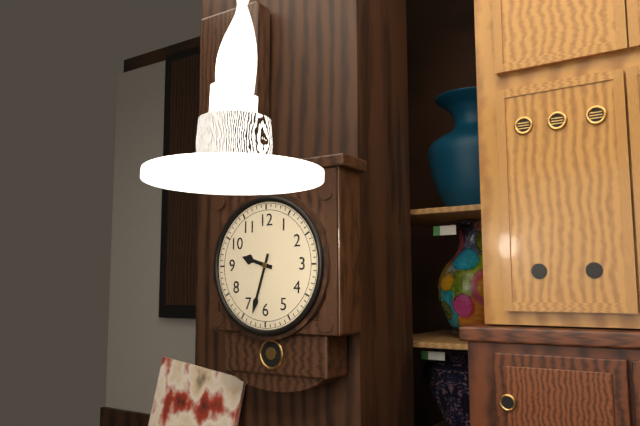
9:33
